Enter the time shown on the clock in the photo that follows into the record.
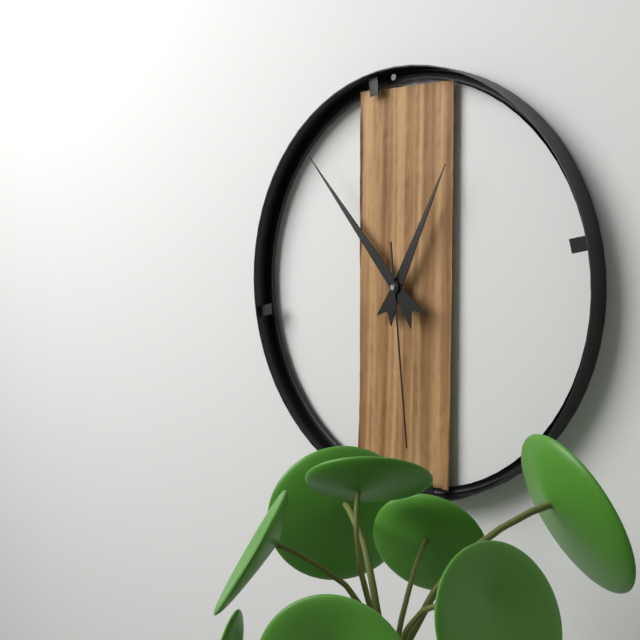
12:53:29
